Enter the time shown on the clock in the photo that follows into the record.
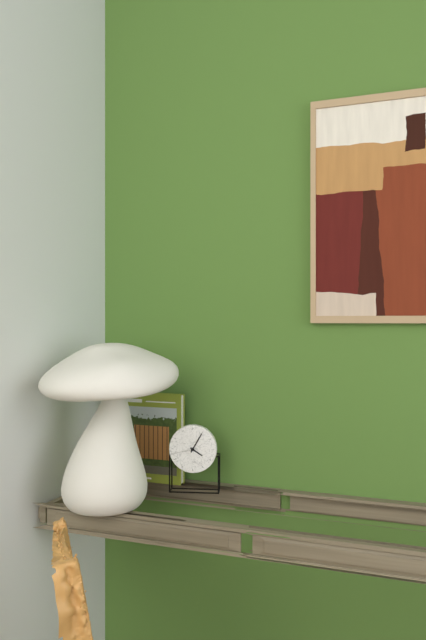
4:05
